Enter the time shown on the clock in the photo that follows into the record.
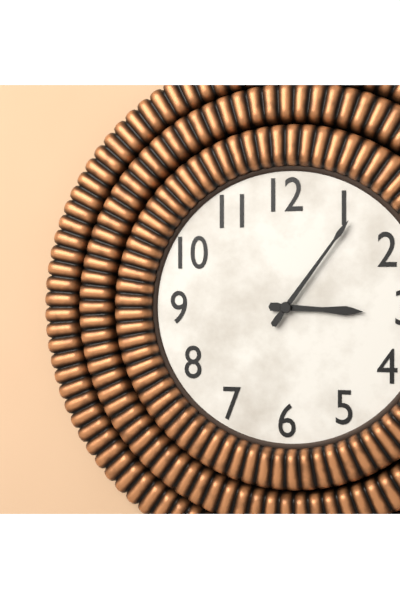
3:06
